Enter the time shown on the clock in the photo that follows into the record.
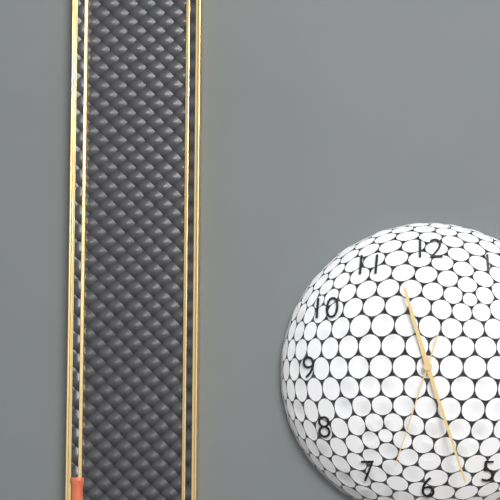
11:27:33
